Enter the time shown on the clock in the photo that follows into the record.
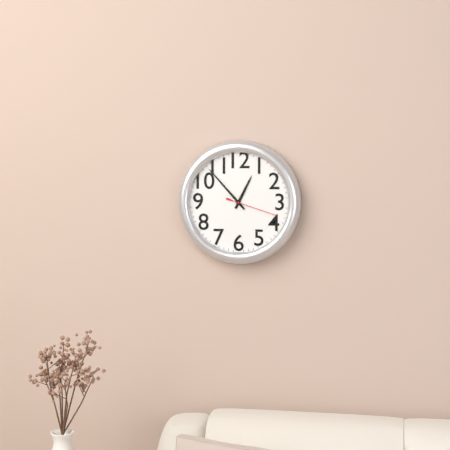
12:53:18
